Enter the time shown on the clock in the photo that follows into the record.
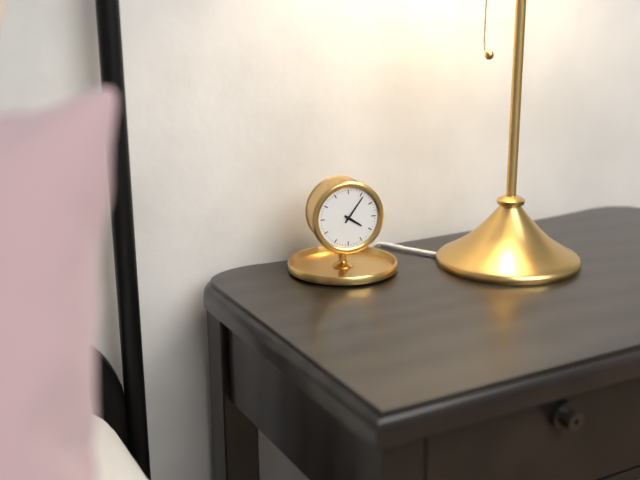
4:06
